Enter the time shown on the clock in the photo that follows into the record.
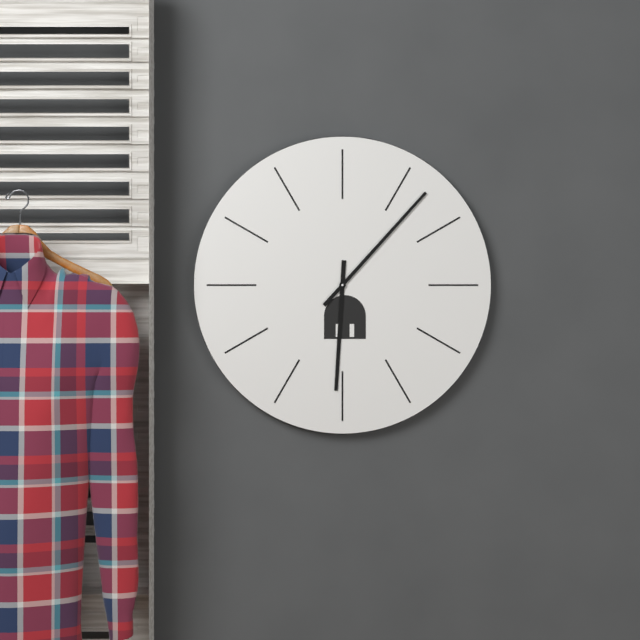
6:07
